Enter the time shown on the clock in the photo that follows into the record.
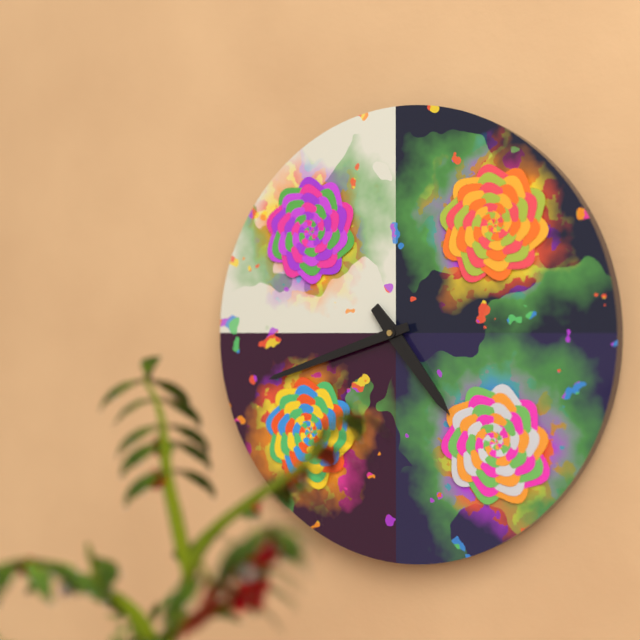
4:42
